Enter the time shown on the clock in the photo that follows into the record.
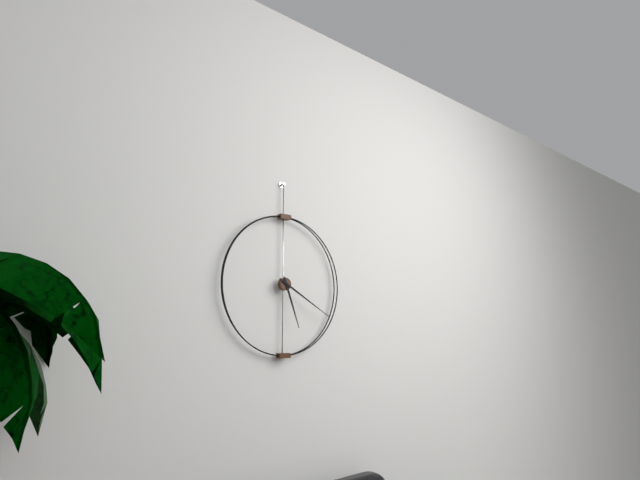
5:20
